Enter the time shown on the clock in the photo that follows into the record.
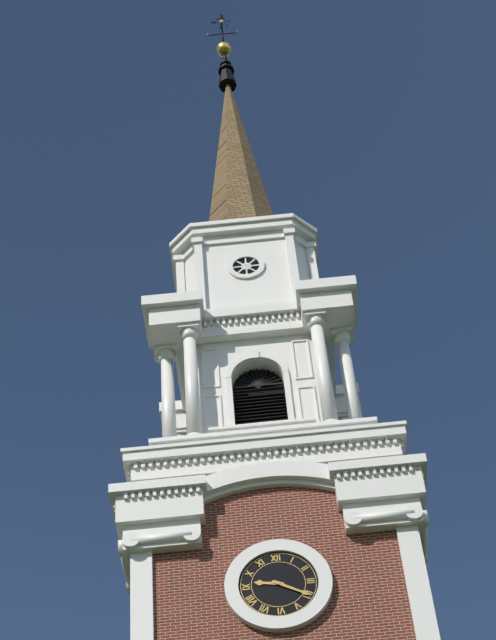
9:20
